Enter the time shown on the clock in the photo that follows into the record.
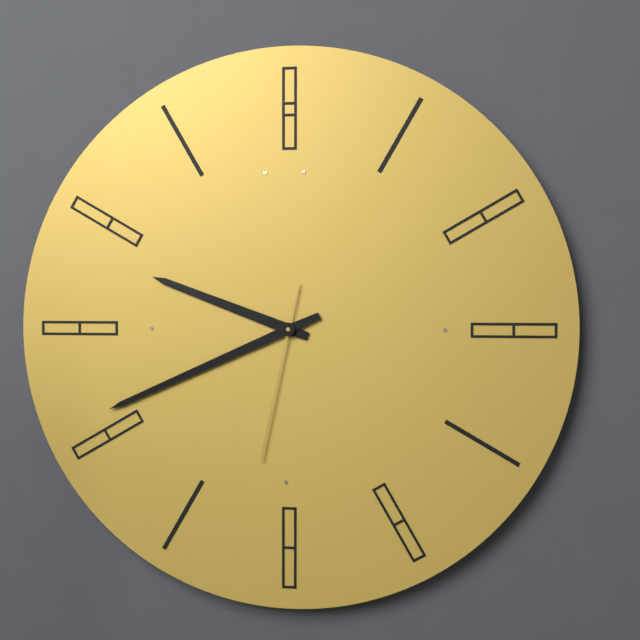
9:41:32
